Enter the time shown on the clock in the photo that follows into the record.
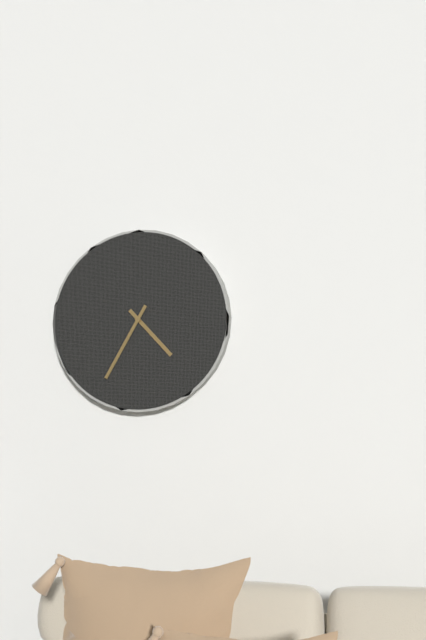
4:35
